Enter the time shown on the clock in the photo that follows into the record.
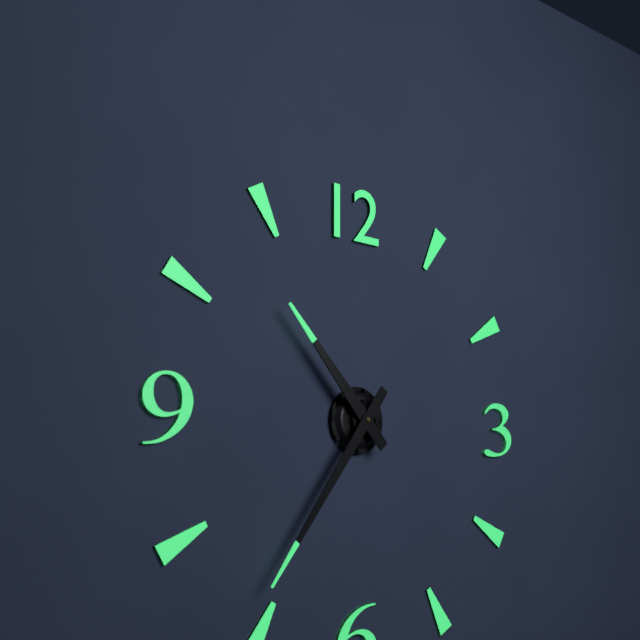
10:36
